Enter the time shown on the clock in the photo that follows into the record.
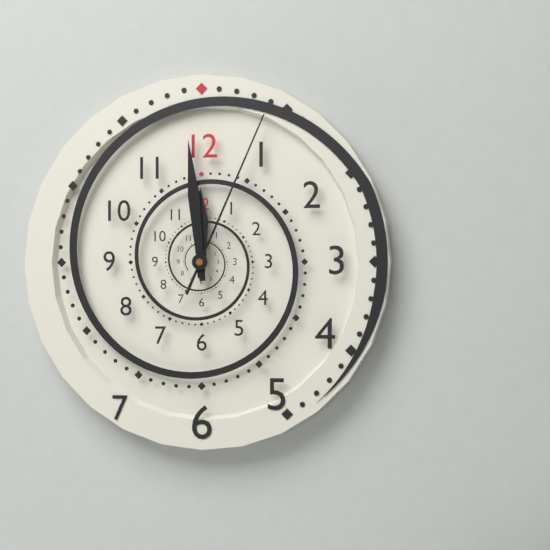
11:59:04
